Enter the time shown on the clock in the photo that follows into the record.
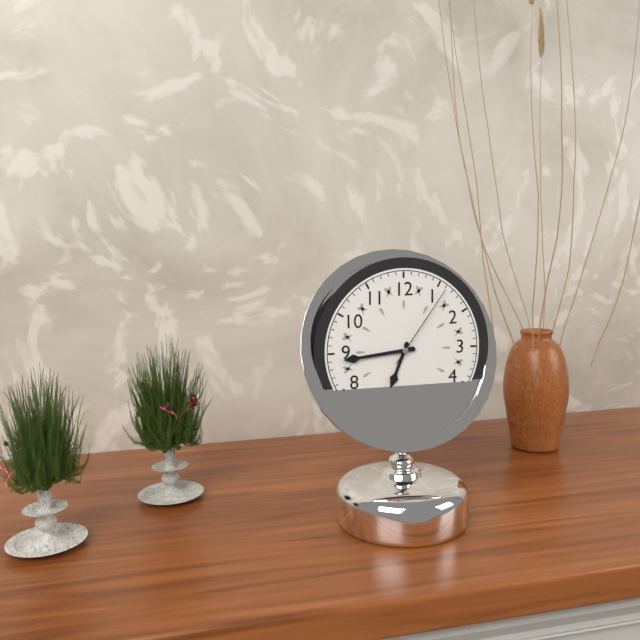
6:44:06
